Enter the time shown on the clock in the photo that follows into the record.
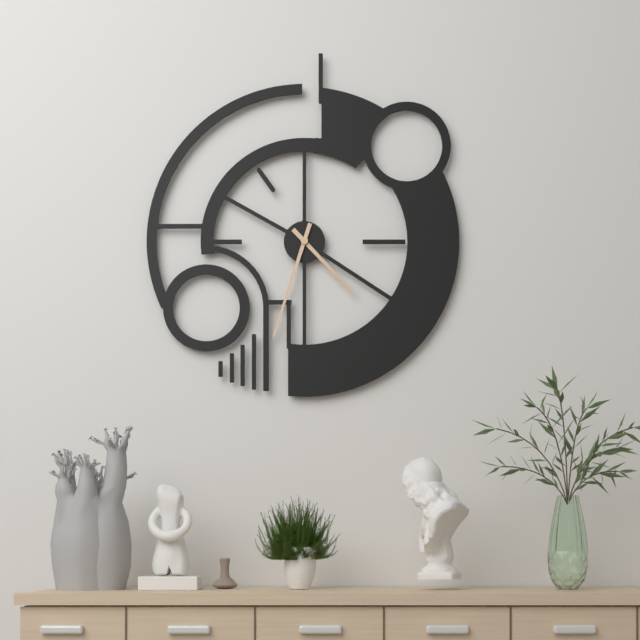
4:33
